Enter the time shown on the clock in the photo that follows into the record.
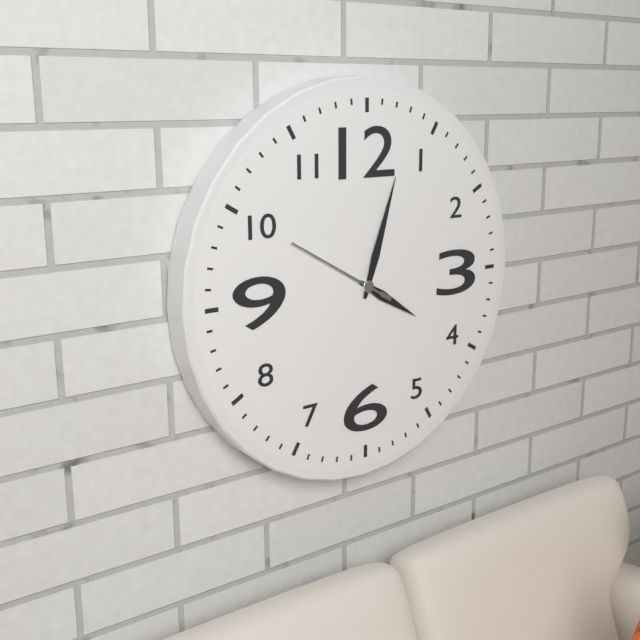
4:03:50
